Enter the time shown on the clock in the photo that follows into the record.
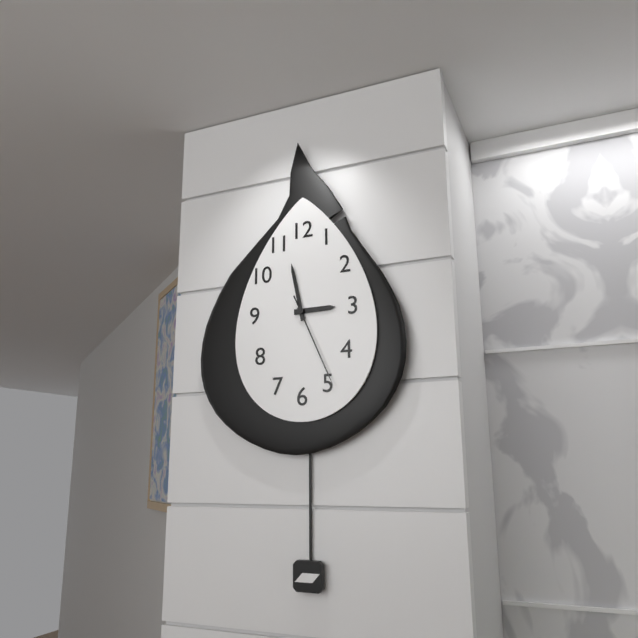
2:58:26
